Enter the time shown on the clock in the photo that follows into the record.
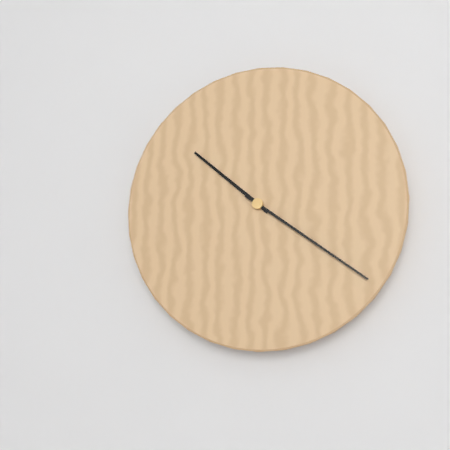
10:21
